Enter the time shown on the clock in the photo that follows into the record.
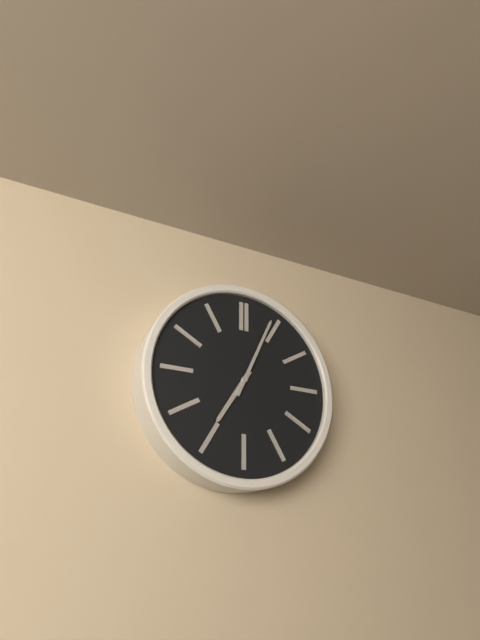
7:04
